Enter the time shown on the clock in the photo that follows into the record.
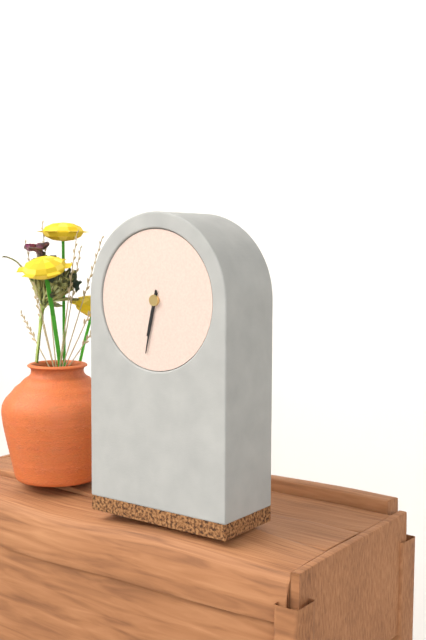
6:32
